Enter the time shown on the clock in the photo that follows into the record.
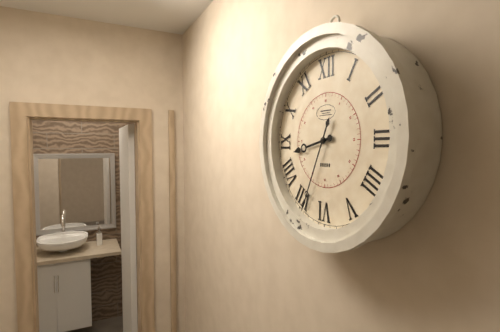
8:34
